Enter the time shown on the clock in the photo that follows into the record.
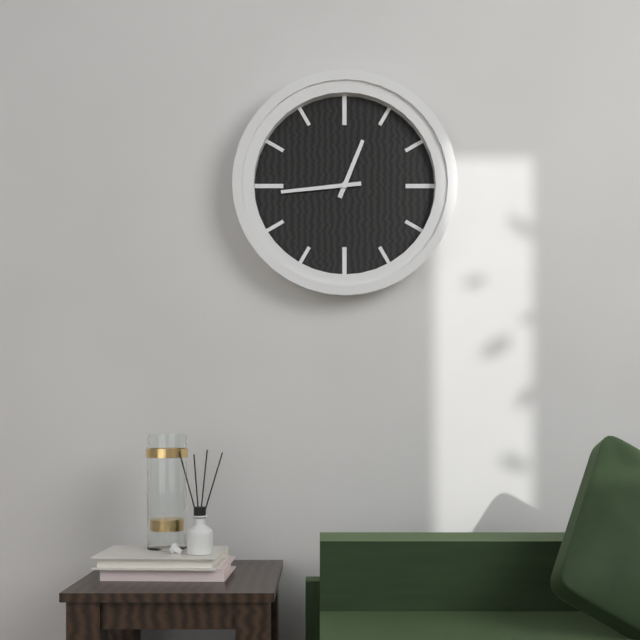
12:44
